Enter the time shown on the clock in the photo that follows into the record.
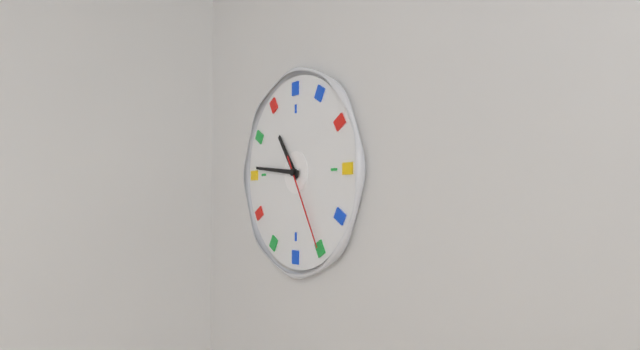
10:46:25
